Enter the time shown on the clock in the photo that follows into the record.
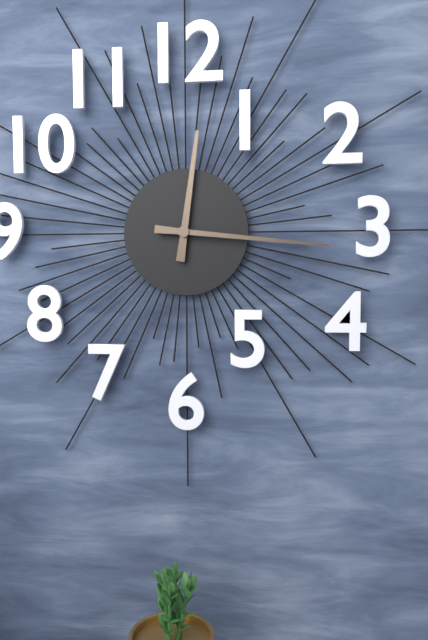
12:16
